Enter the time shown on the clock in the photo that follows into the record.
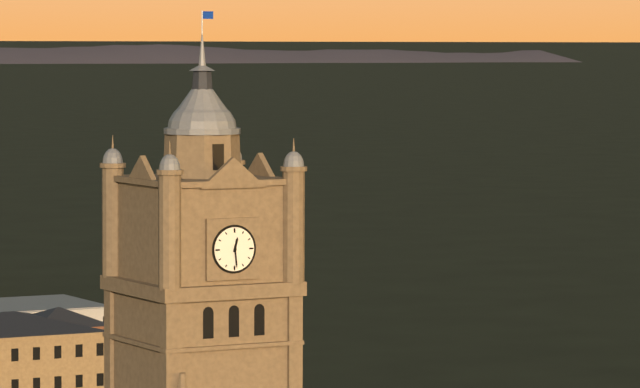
12:29
